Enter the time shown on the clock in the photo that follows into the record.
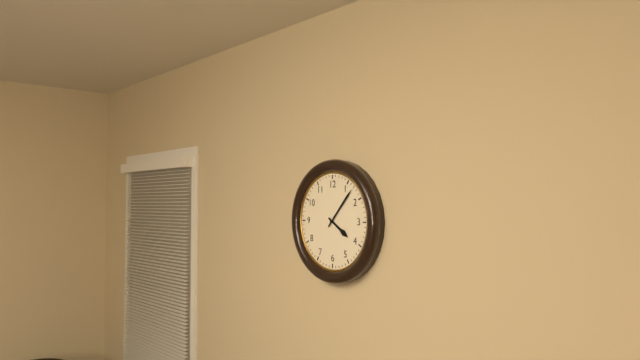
4:07
